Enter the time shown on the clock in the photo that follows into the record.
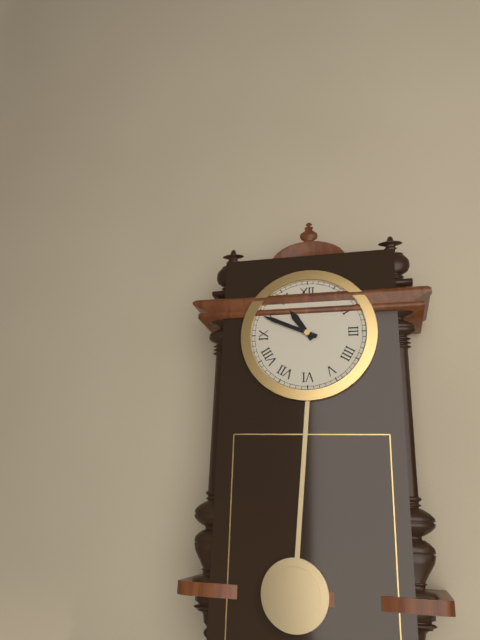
10:49
